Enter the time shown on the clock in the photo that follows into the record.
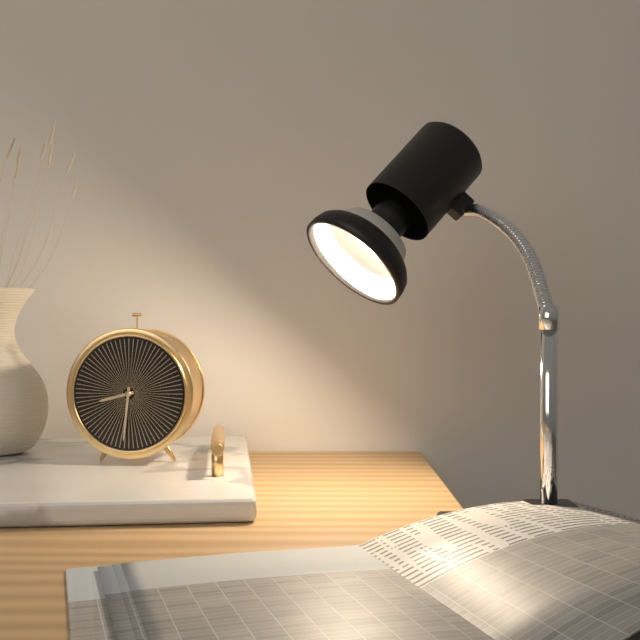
8:31
